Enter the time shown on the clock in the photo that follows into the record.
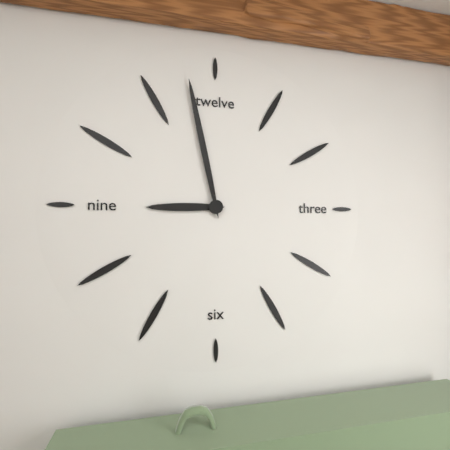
8:58
